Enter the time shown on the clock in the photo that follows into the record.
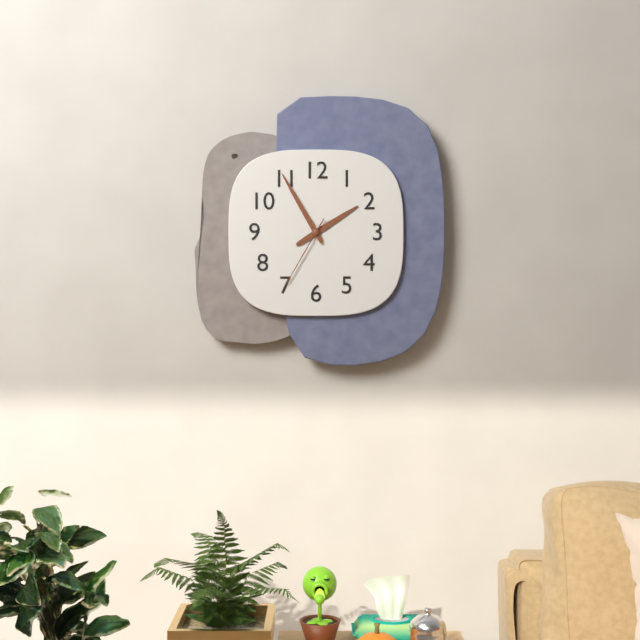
1:55:35
